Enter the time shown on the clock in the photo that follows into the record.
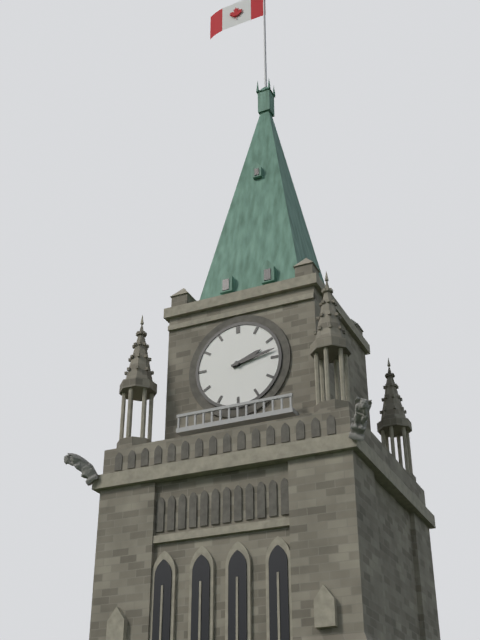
2:13
